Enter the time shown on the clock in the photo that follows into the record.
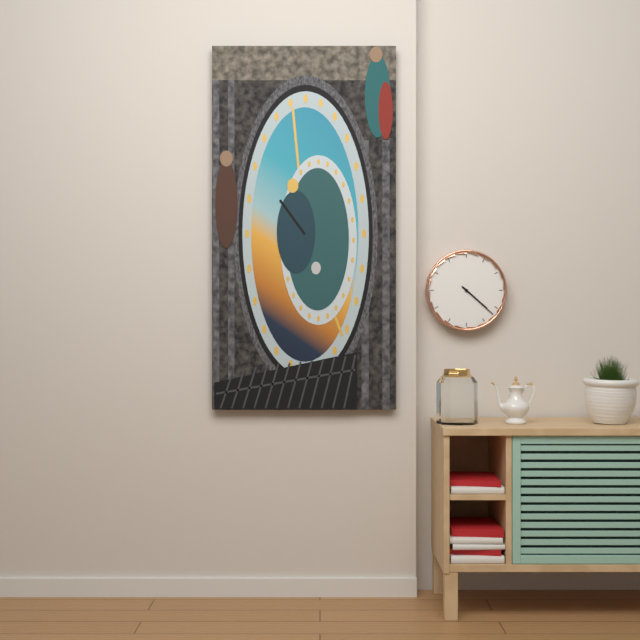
4:22
